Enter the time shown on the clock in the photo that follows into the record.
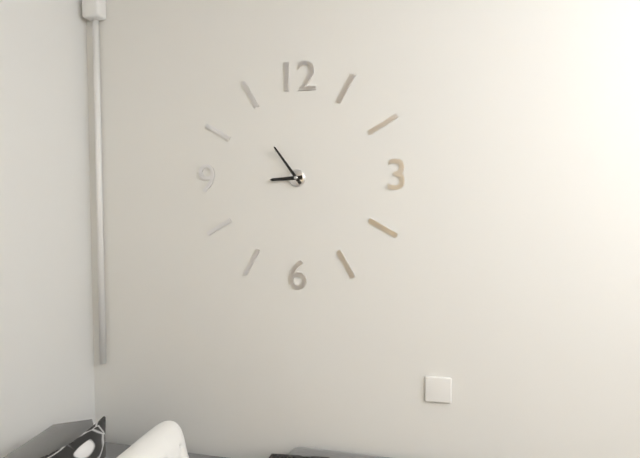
8:54
